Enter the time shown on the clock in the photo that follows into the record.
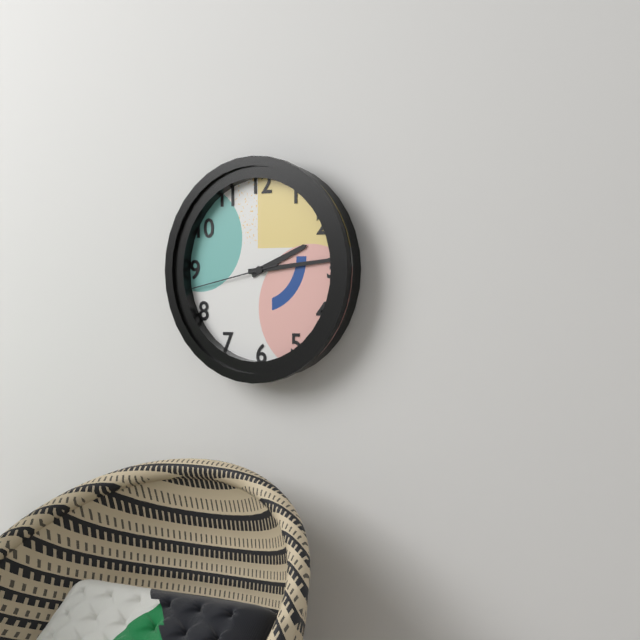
2:14:43
